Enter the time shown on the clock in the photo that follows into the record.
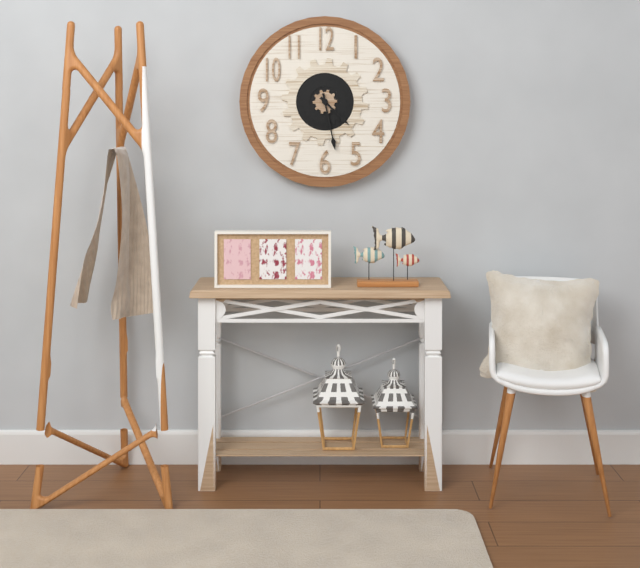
4:28
